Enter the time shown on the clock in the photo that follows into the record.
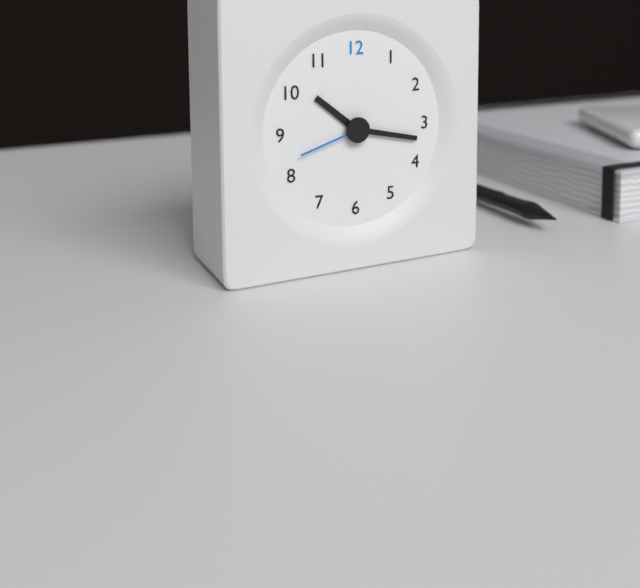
10:17:42
